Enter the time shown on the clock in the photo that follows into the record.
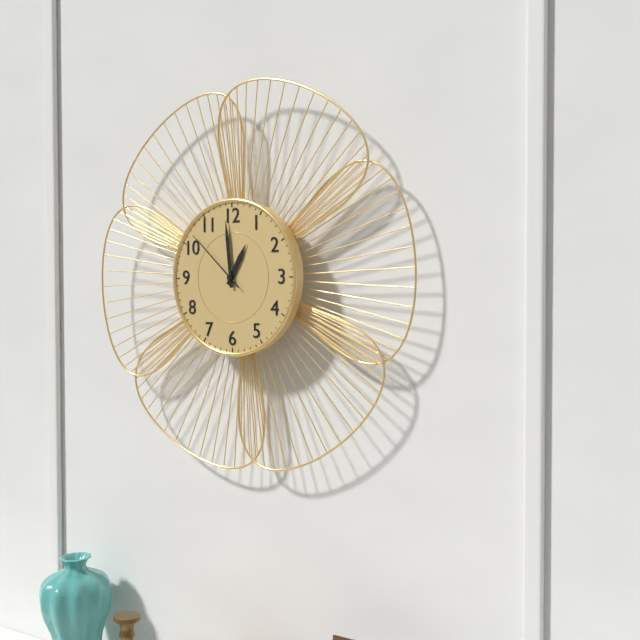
12:59:52
